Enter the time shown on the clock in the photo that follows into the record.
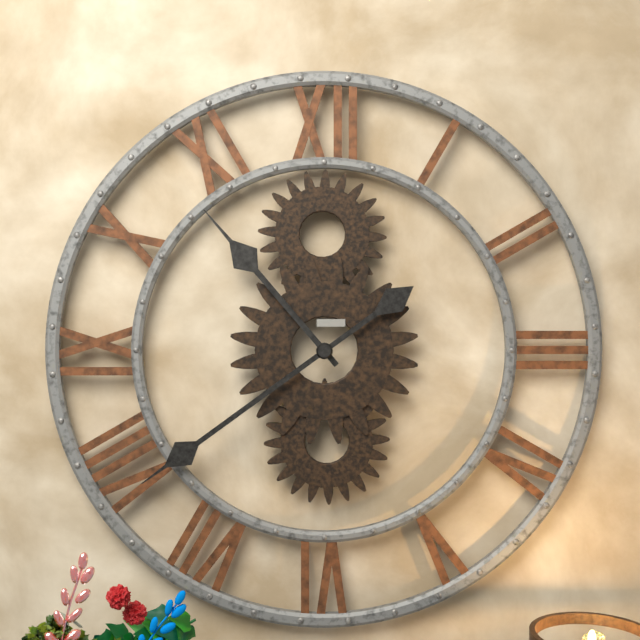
10:39
